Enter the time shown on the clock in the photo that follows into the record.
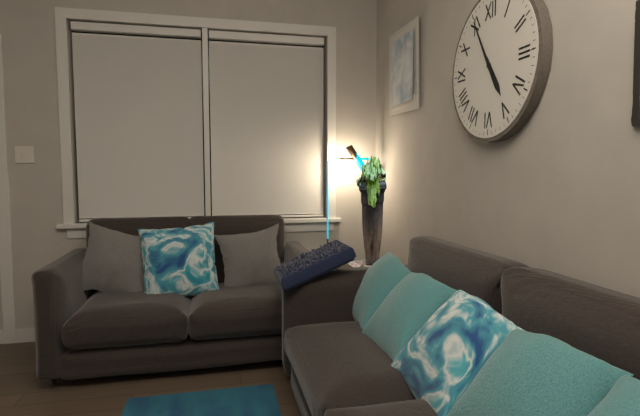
4:55
